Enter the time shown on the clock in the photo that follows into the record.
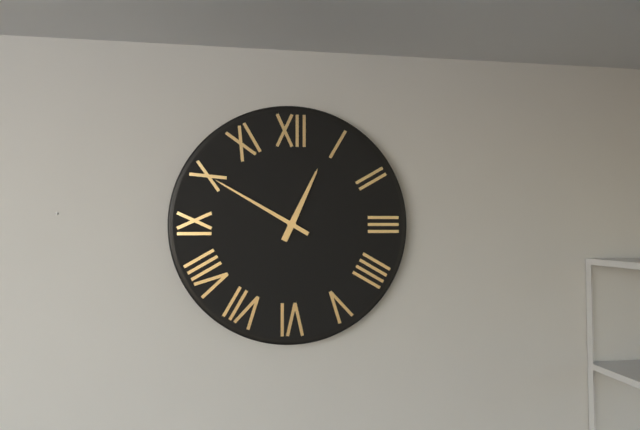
12:50
